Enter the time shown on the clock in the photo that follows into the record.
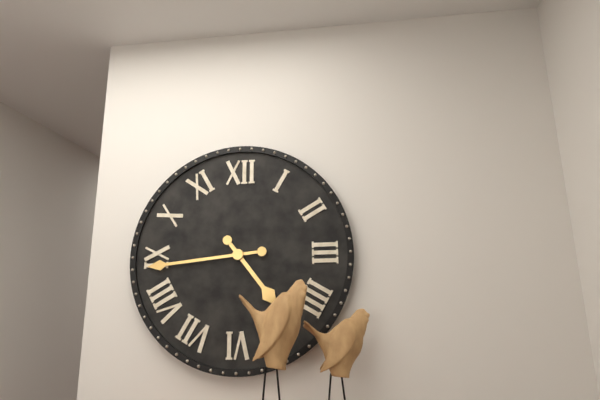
4:44
